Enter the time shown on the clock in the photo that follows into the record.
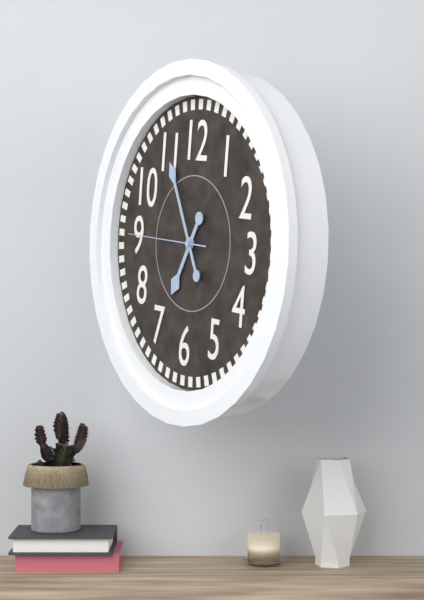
6:55:45
